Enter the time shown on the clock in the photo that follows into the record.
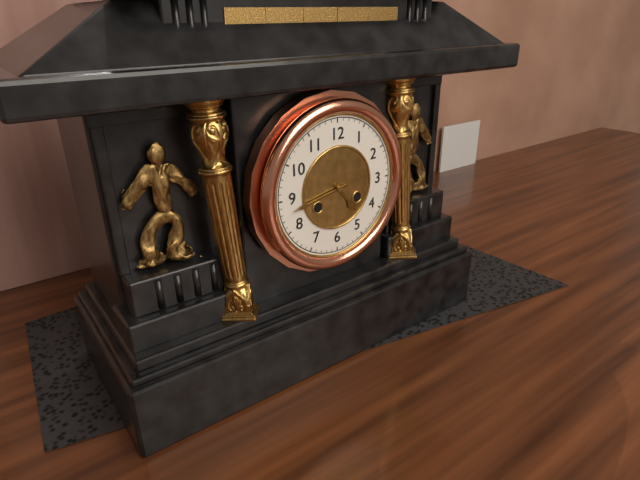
4:43
